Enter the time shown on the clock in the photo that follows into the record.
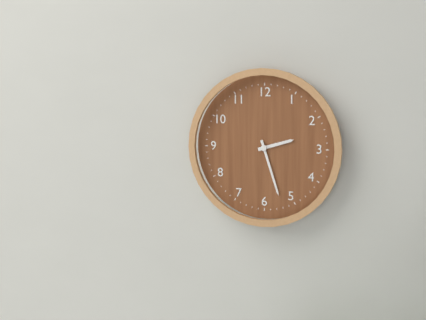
2:27
